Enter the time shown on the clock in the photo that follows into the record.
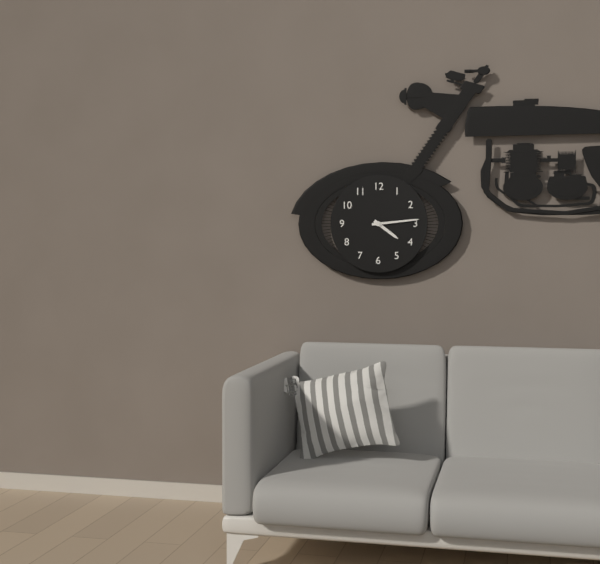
4:14
